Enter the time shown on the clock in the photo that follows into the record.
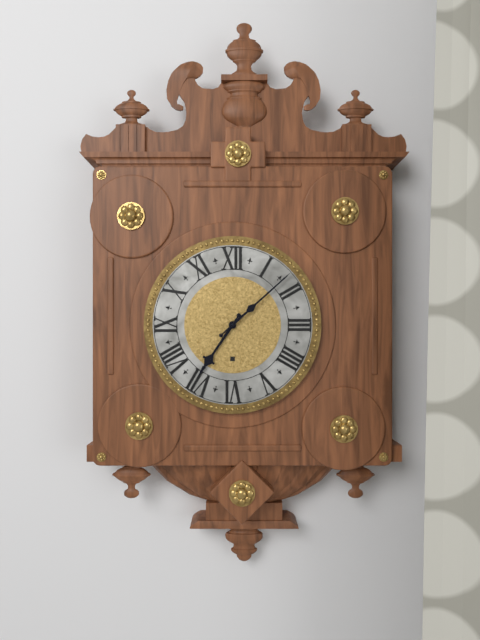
7:08
